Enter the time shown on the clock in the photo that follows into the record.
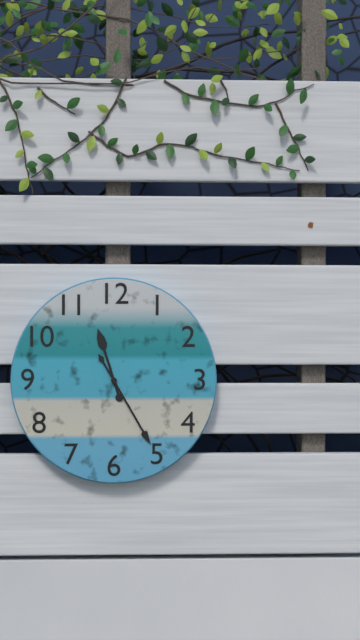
11:25
